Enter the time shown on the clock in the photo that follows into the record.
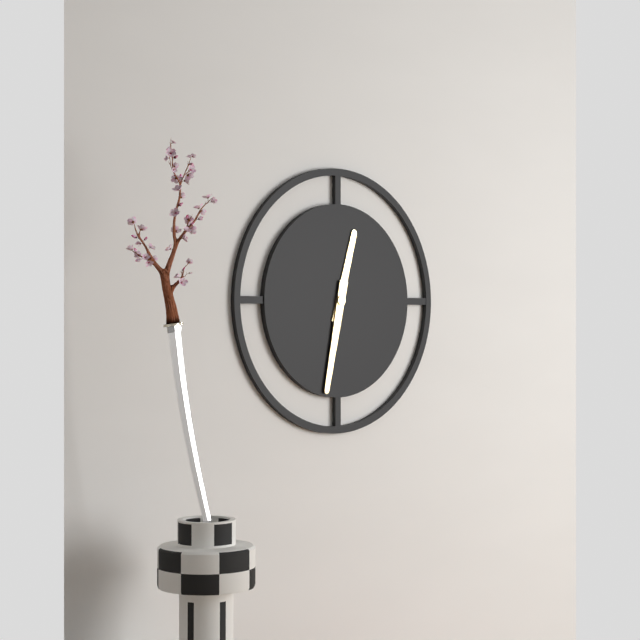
12:32
